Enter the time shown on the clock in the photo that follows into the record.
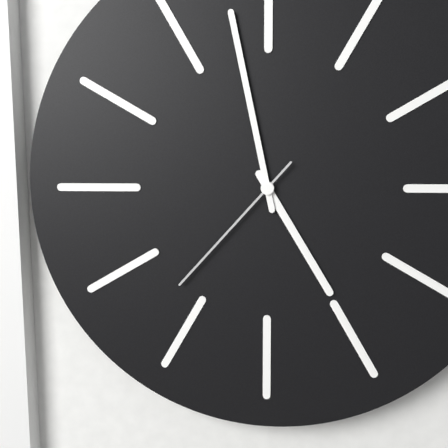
4:58:37
